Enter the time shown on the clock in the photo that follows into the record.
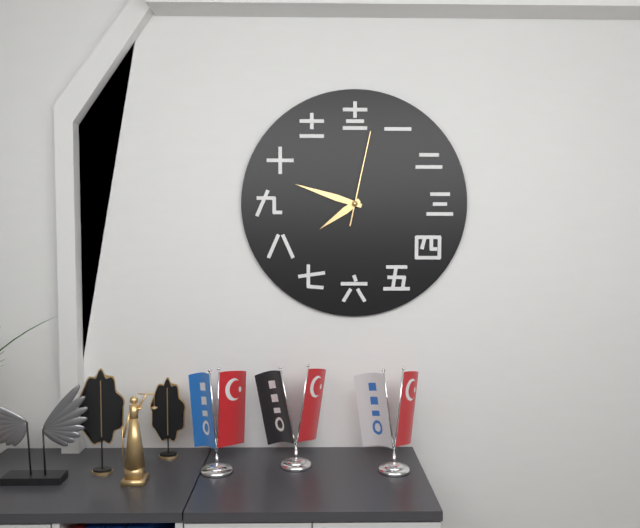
7:48:02
